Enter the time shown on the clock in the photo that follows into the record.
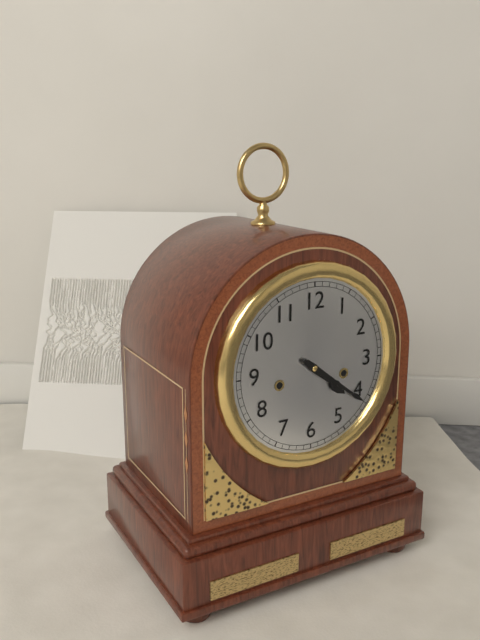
4:21
